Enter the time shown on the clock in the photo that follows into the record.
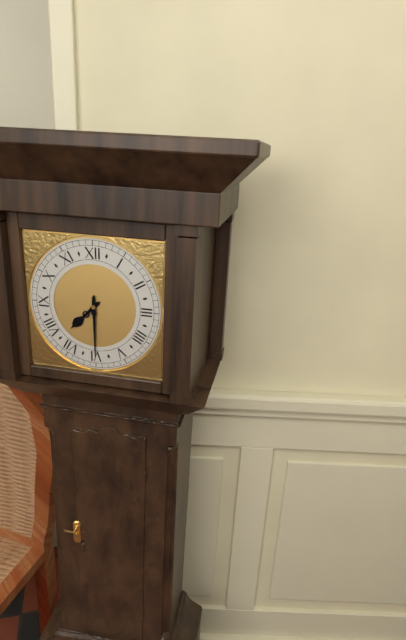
7:30
